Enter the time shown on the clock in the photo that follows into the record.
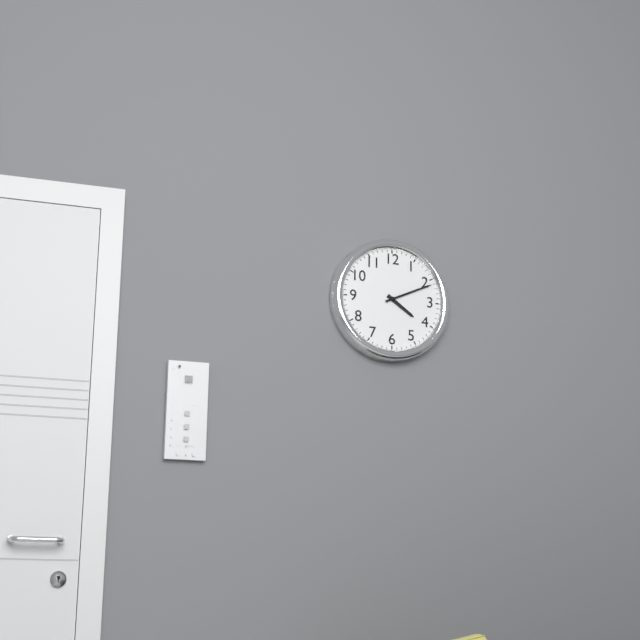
4:11
